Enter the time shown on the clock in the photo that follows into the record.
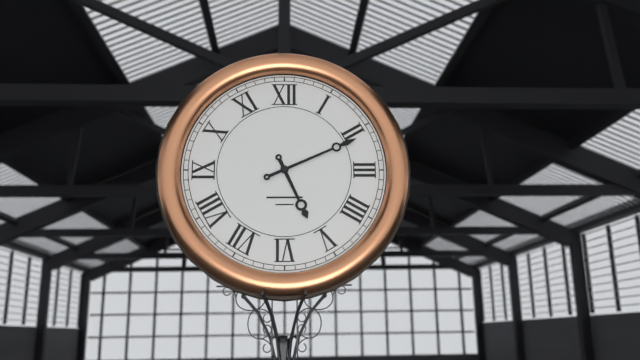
5:11
